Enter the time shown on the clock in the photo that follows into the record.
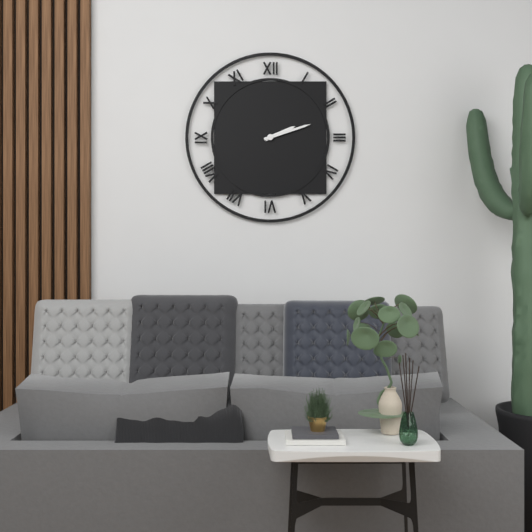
2:12
